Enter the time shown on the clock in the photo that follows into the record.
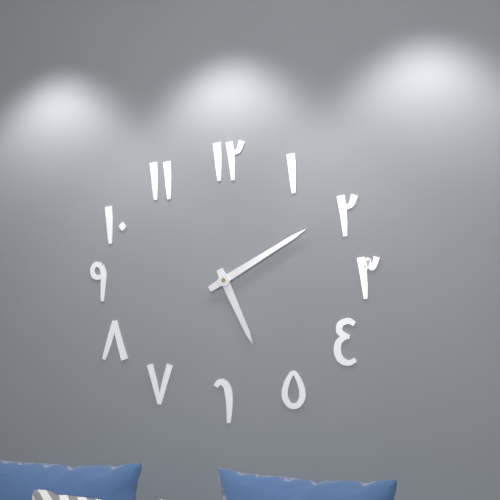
5:10
